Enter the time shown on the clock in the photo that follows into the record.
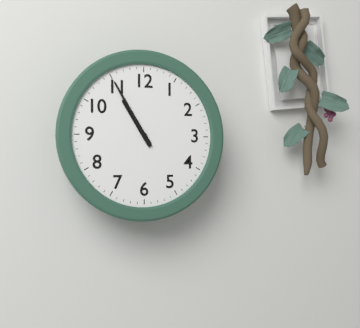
10:55
